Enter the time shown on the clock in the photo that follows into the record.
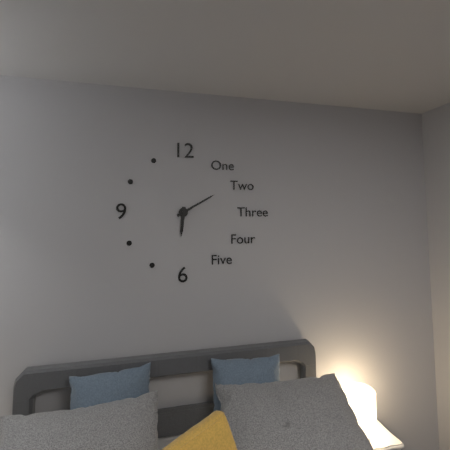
6:10
